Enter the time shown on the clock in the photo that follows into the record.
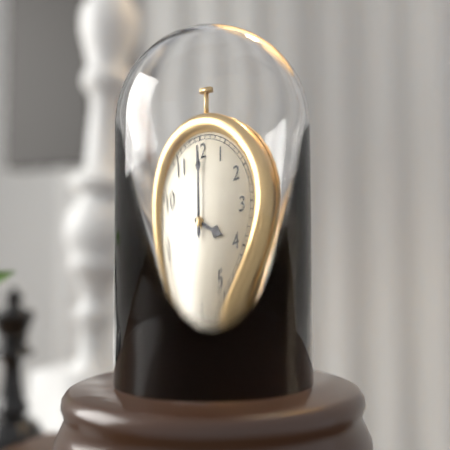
4:00
